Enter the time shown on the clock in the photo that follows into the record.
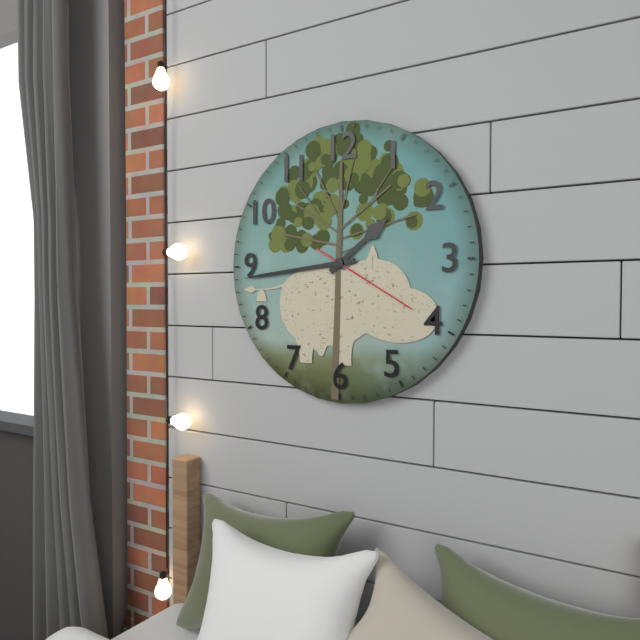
1:44:20
